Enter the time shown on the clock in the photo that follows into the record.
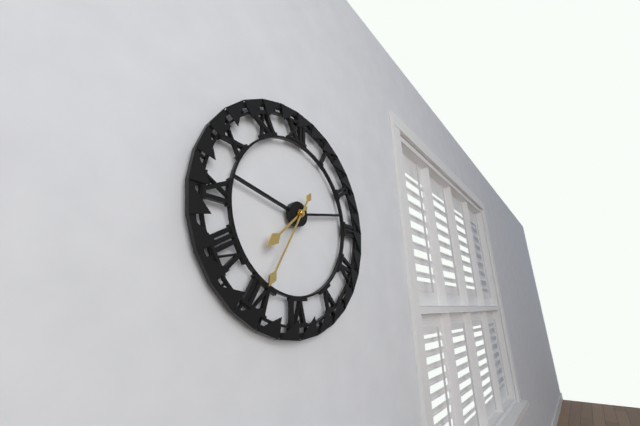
7:35
